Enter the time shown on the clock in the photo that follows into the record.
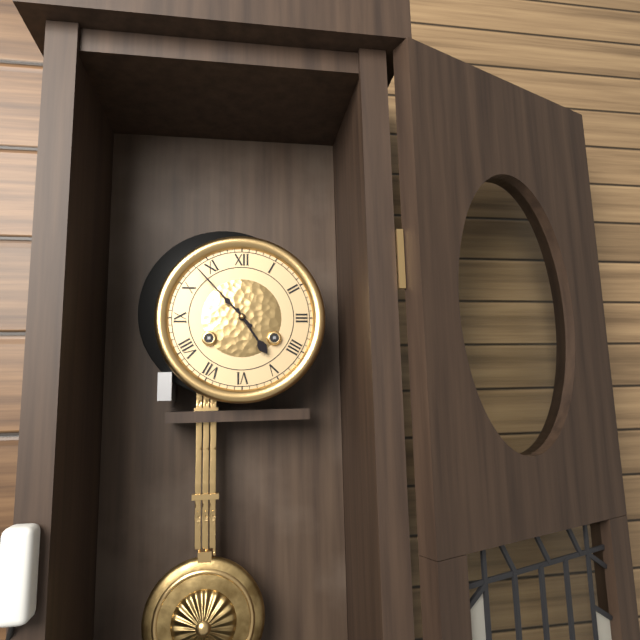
4:53
